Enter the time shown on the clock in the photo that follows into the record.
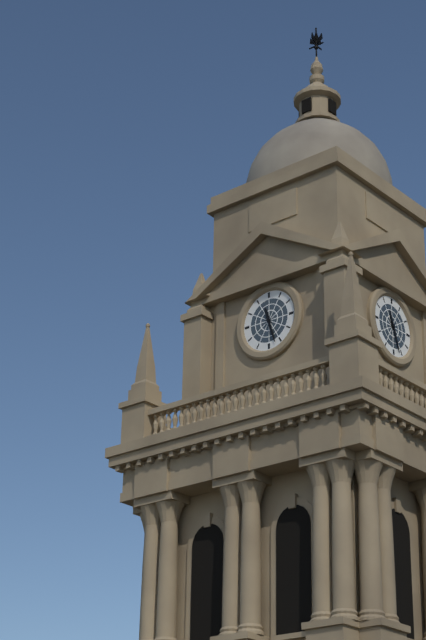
11:27
